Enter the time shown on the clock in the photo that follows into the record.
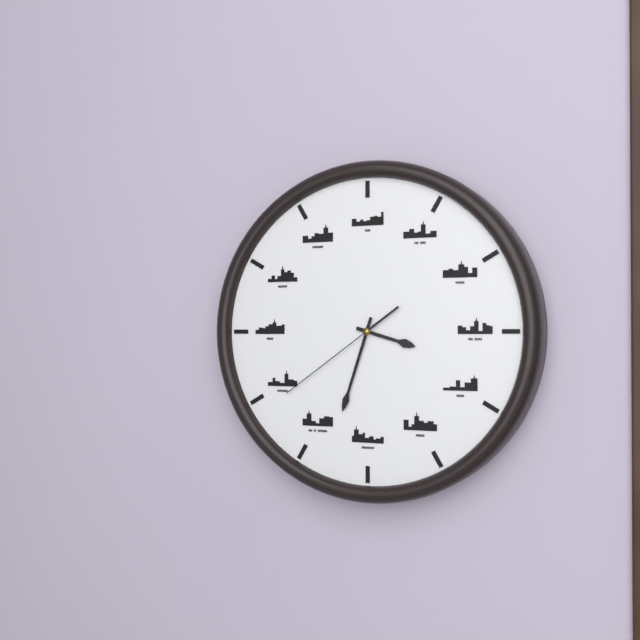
3:33:39
